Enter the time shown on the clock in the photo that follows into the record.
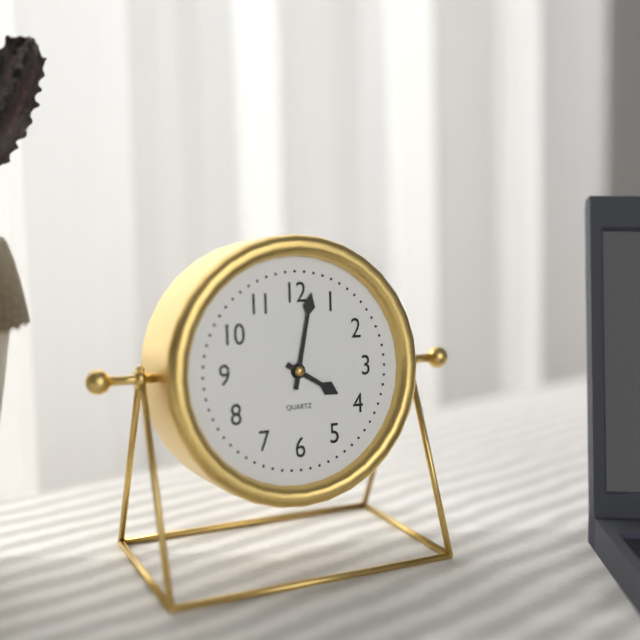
4:02
